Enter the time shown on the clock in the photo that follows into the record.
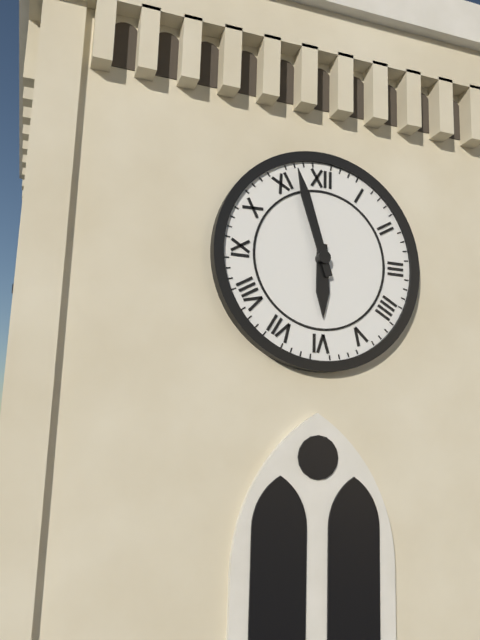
5:57
